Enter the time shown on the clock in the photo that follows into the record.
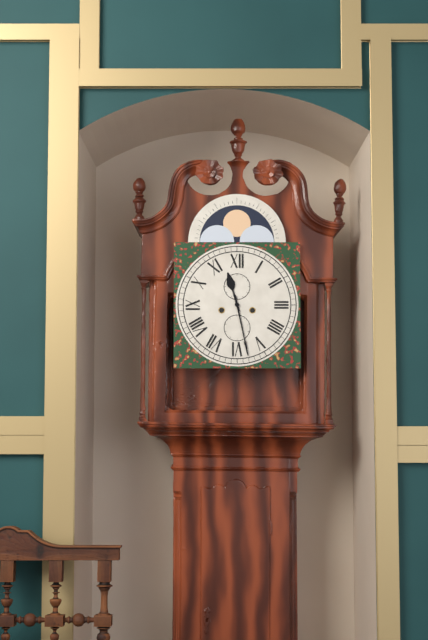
11:28
